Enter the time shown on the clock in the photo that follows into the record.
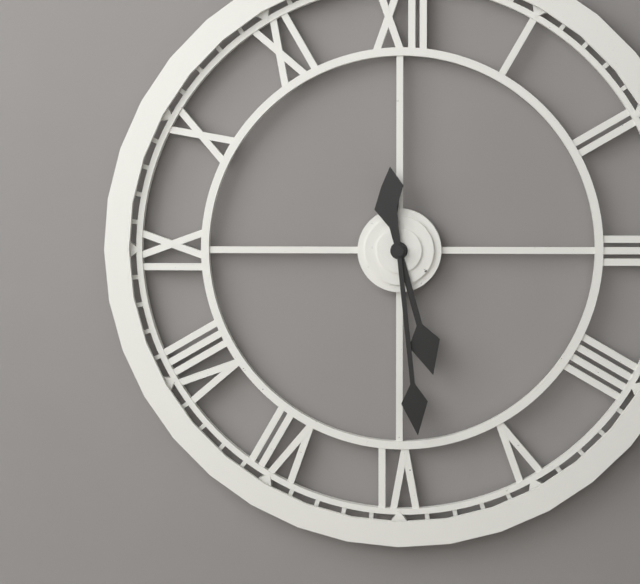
5:29
